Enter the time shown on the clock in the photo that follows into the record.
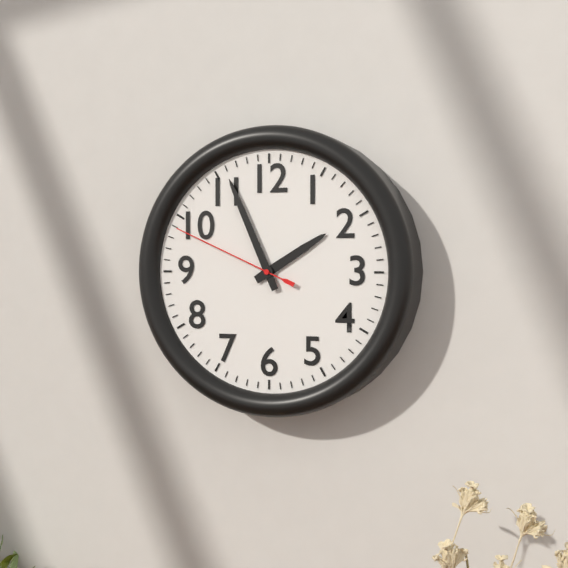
1:56:49
